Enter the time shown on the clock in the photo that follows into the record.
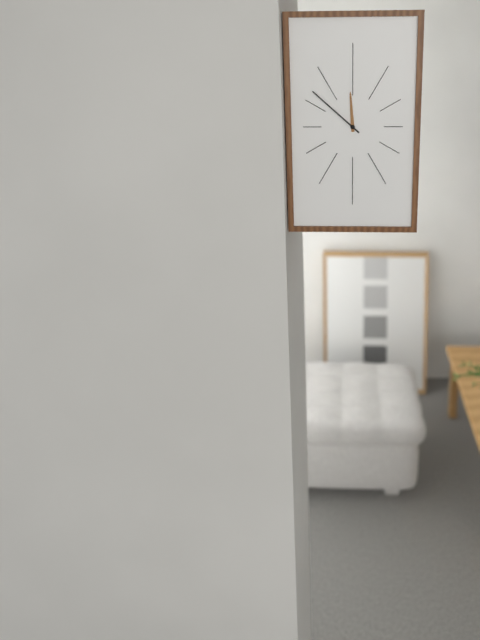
11:52
